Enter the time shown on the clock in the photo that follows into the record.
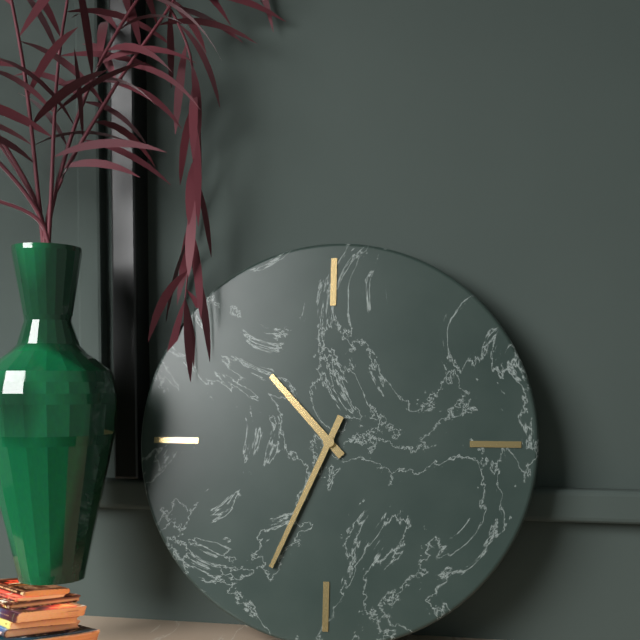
10:34
